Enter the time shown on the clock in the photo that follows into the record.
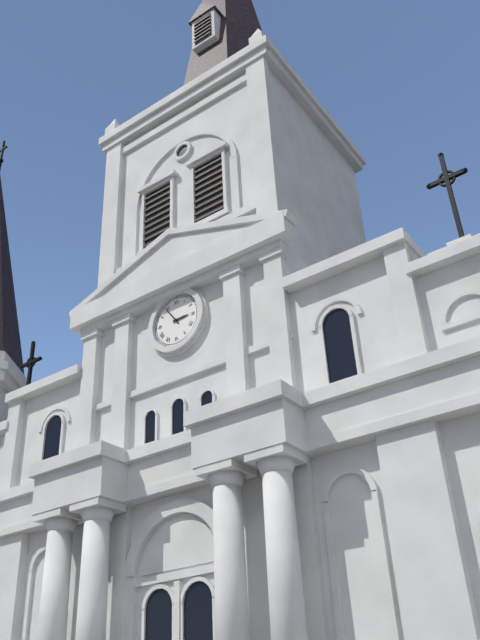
2:54
